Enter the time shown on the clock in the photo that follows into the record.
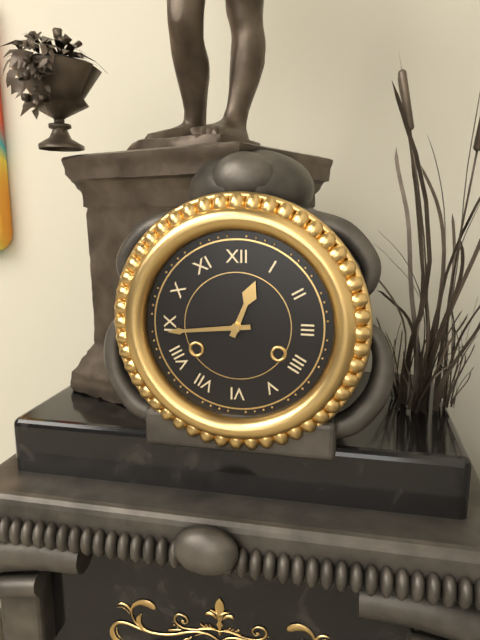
12:44
